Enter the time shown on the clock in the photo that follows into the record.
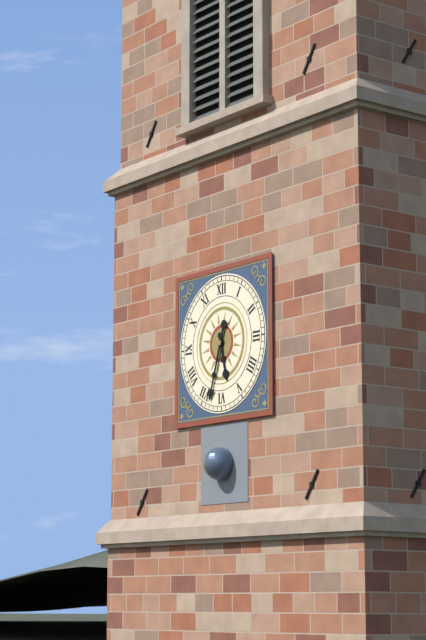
5:33
